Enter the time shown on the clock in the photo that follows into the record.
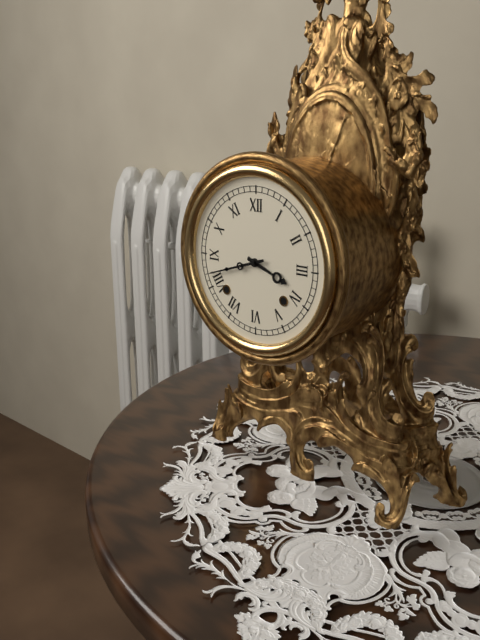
3:42
